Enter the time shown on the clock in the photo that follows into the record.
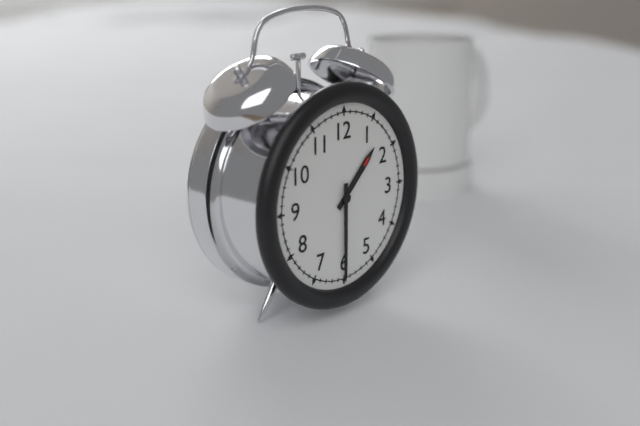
1:30
